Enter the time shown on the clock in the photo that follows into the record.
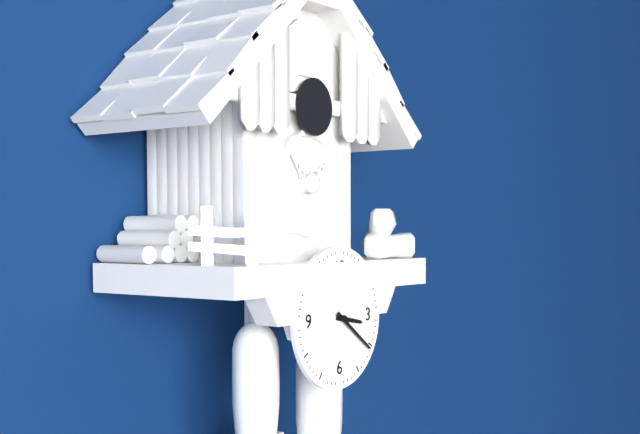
3:21
